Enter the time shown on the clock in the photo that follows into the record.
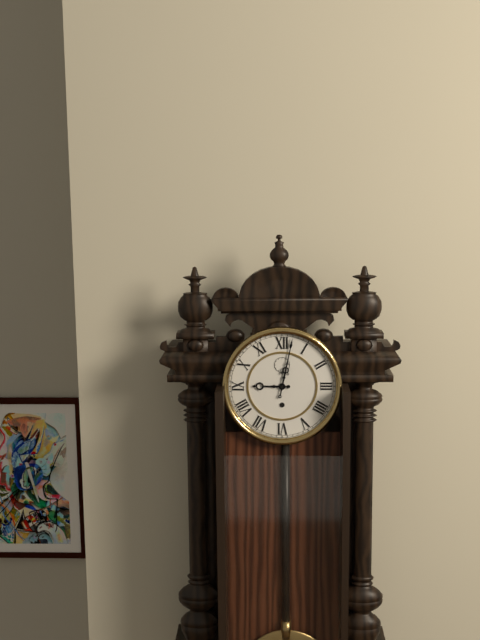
9:02
